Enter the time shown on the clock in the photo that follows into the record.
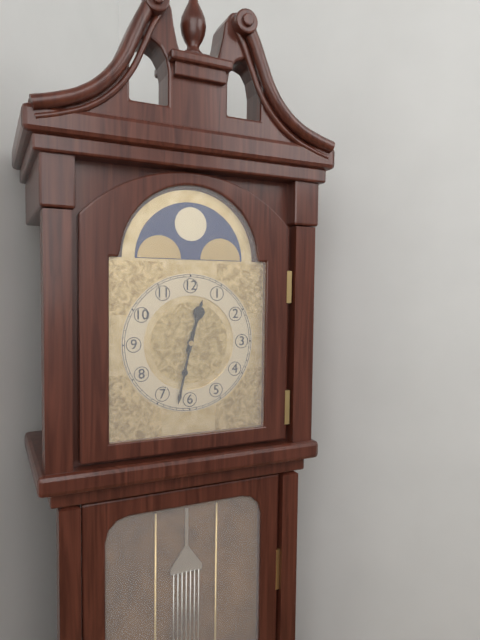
12:32
